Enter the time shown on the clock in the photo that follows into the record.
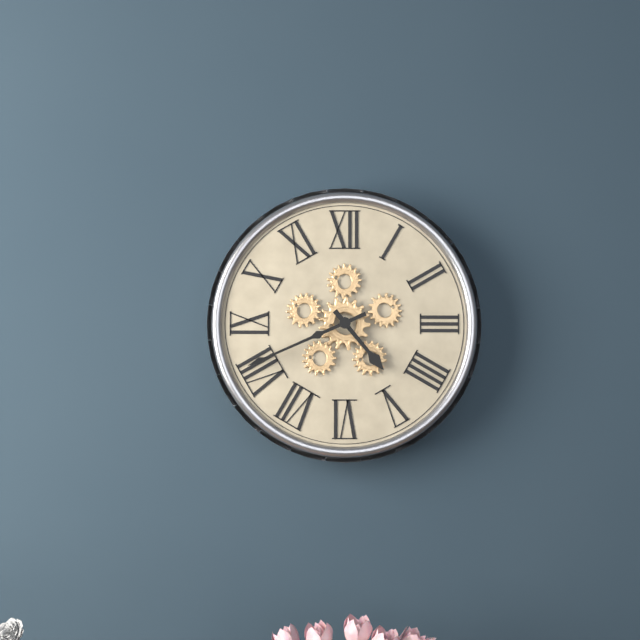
4:41
